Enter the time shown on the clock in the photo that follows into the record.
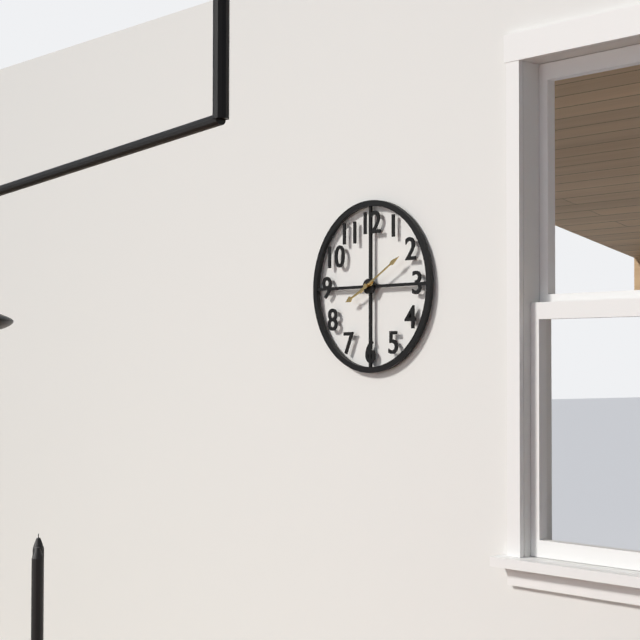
8:10
